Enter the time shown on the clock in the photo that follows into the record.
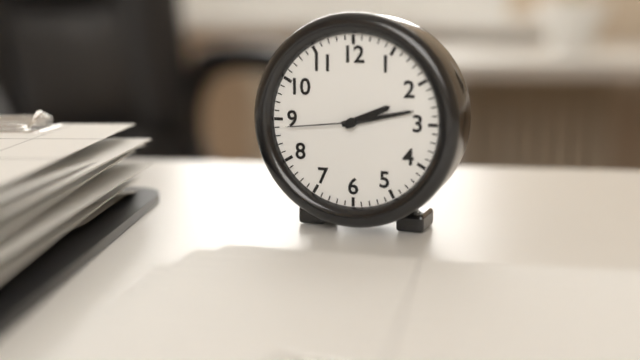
2:13:44
